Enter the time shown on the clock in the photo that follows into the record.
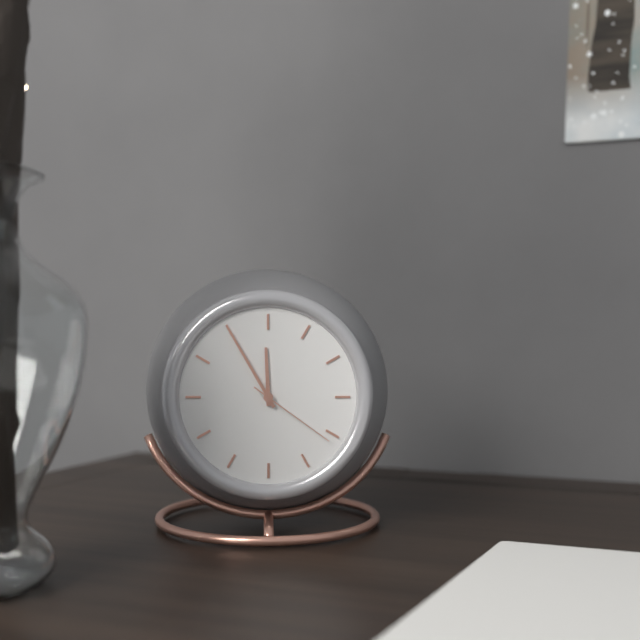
11:55:21
